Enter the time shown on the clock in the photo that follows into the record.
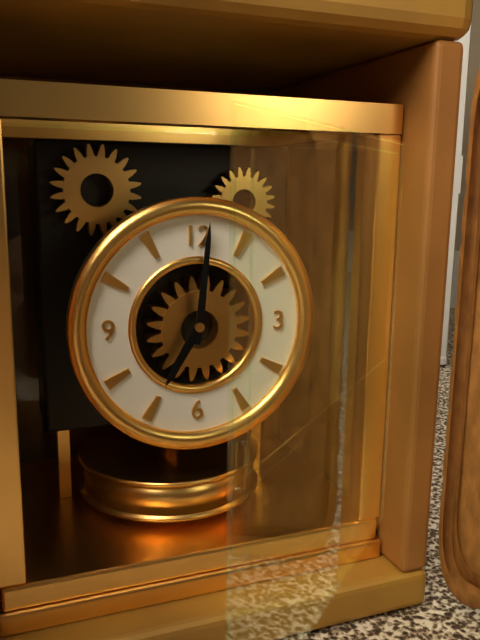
7:01
